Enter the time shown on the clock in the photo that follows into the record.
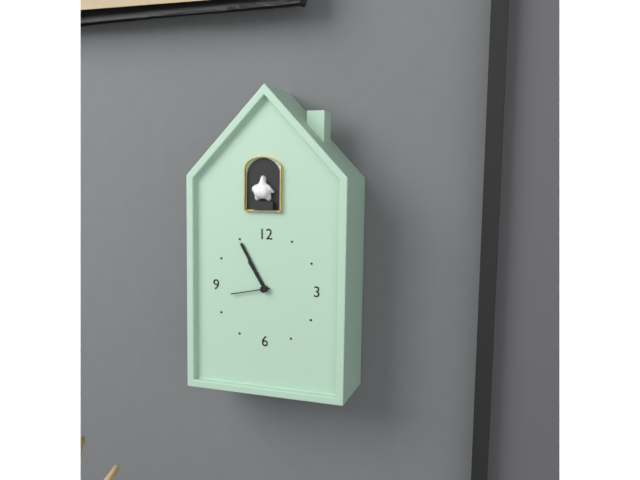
10:55
